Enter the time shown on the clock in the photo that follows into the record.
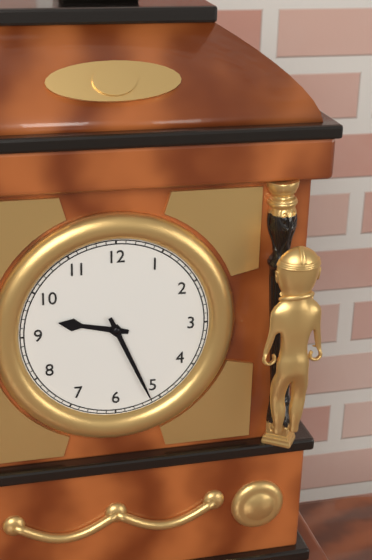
9:26
